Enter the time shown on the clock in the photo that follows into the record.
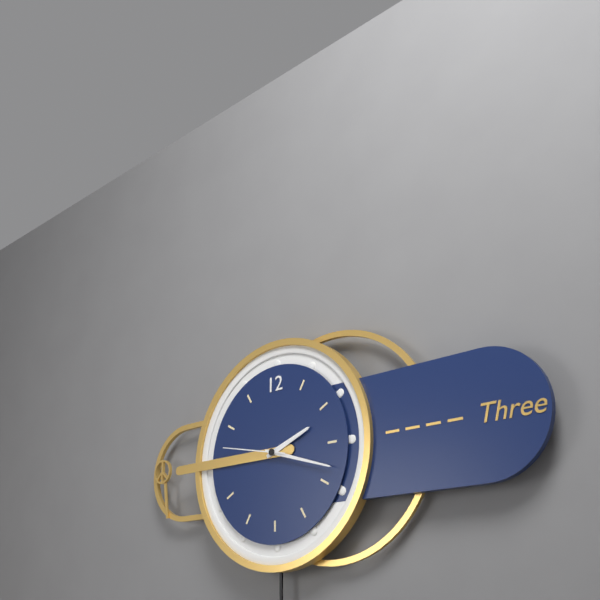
2:18:47
